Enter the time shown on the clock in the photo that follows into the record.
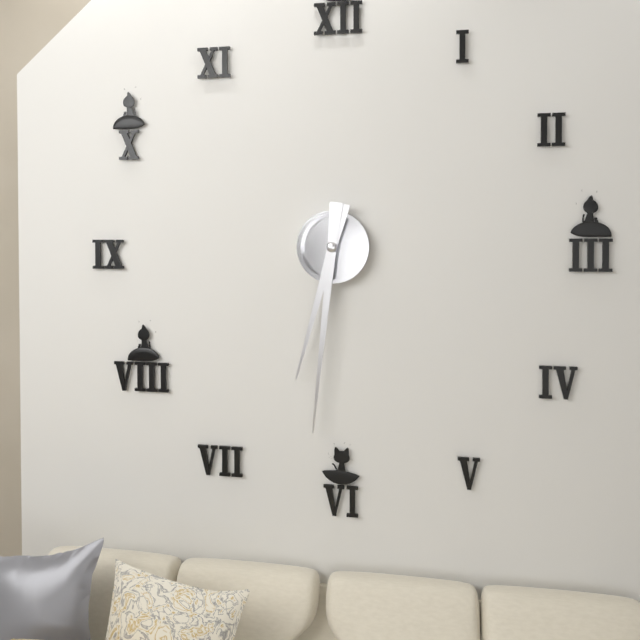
6:31
